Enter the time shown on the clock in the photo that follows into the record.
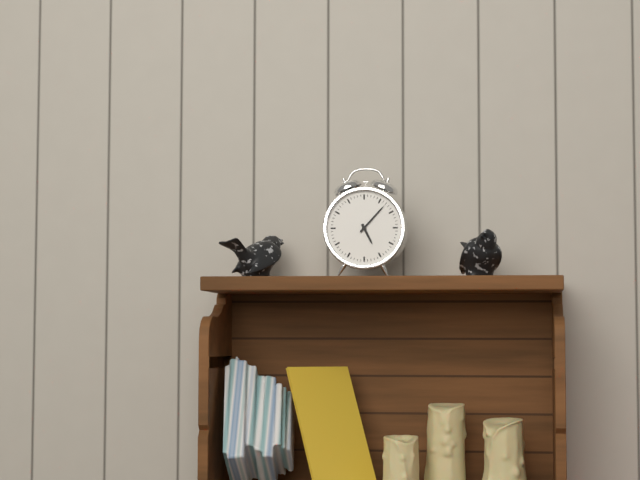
5:07
